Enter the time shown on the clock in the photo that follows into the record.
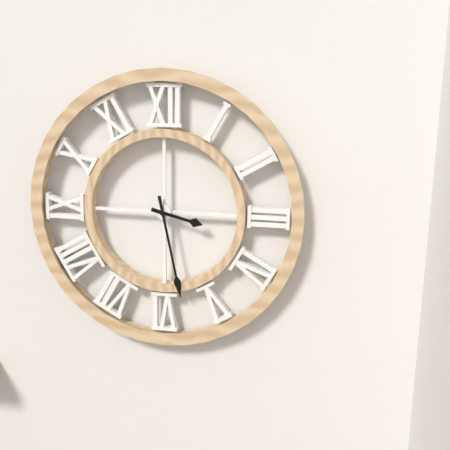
3:28
